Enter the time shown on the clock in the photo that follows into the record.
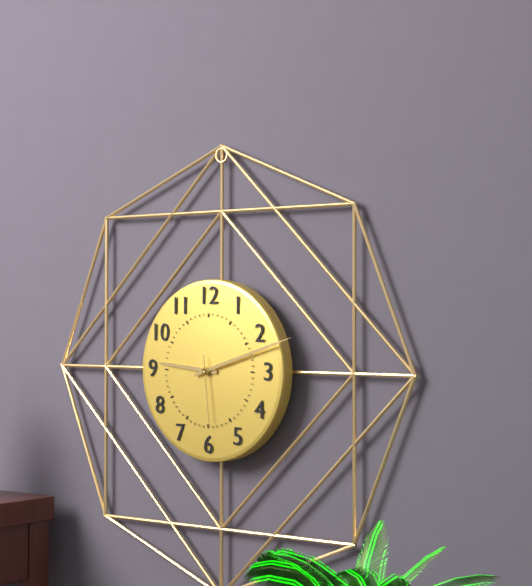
9:12:29
